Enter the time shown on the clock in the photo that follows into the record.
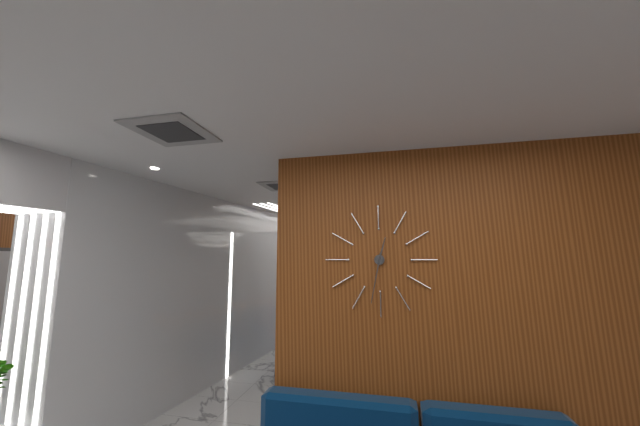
12:32
